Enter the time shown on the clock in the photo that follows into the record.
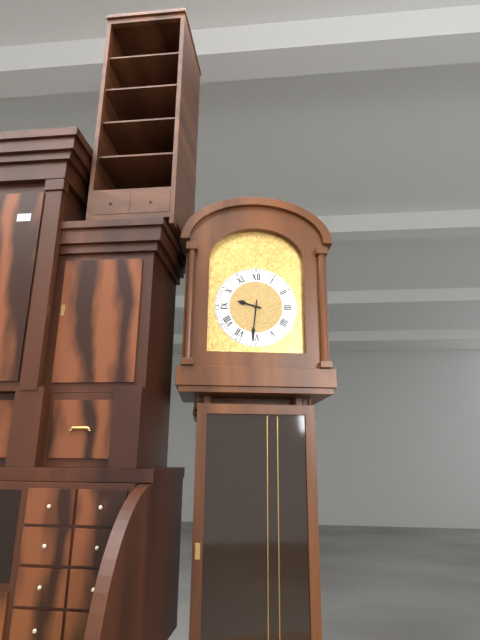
9:31
